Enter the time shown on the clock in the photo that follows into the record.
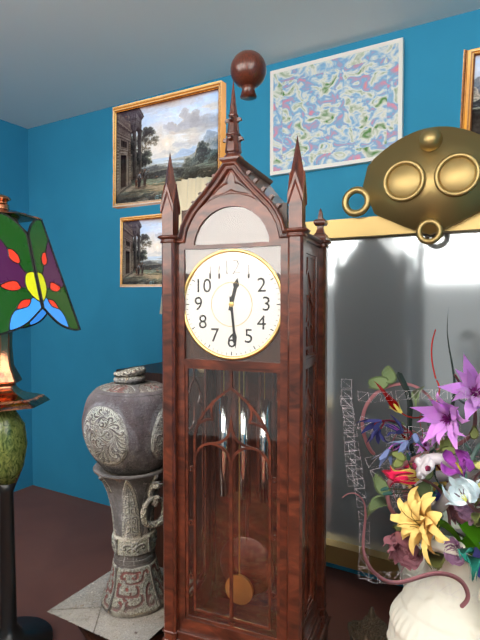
12:29
